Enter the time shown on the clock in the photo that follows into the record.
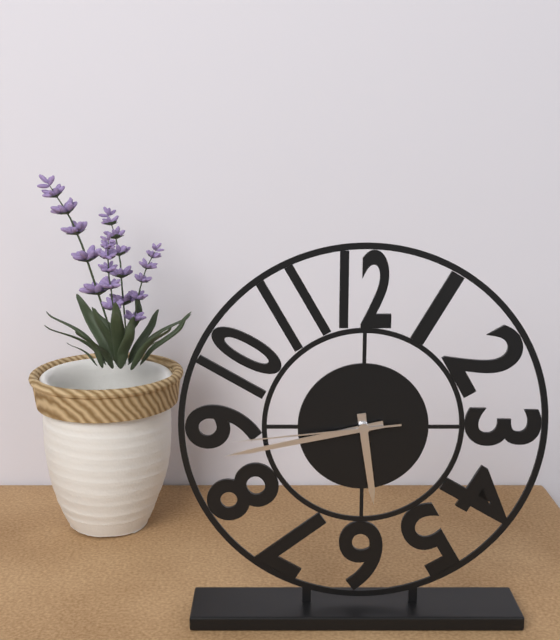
5:43:44
